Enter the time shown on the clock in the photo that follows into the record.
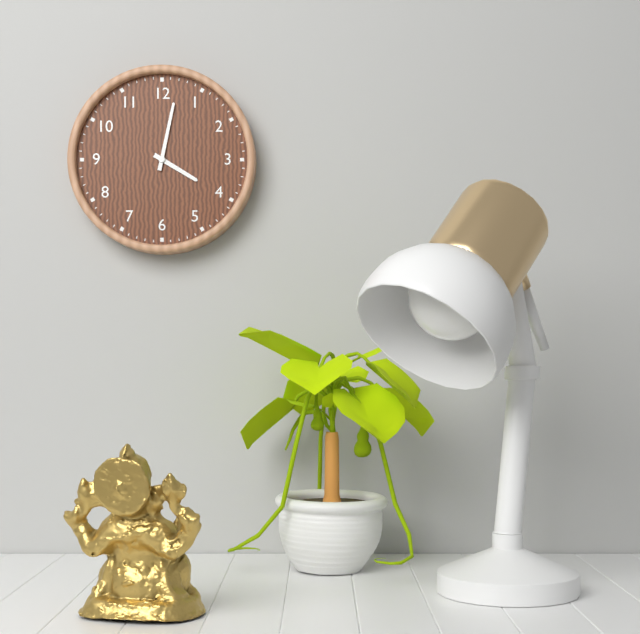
4:02
